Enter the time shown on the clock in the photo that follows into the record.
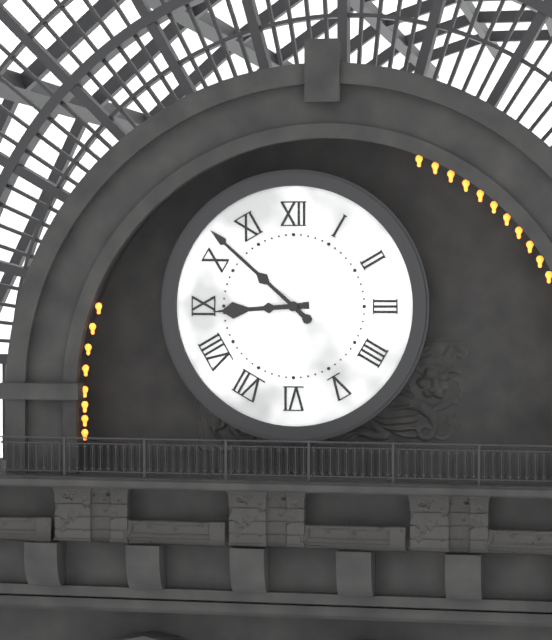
8:52
